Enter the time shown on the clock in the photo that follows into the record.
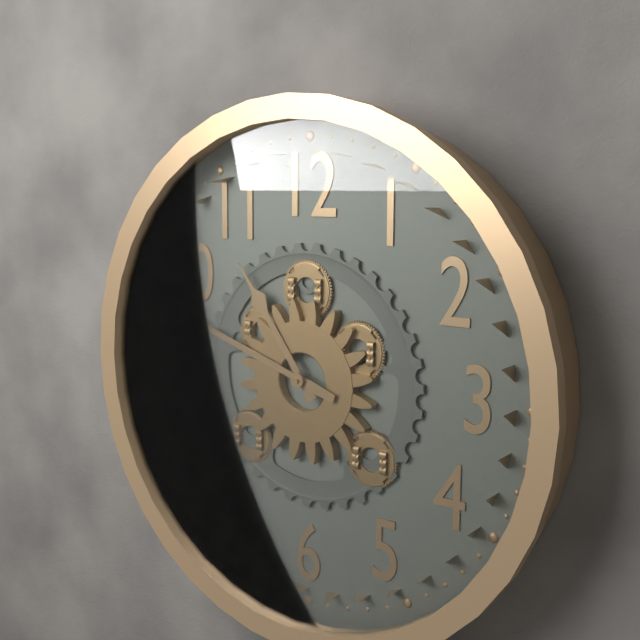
10:48
